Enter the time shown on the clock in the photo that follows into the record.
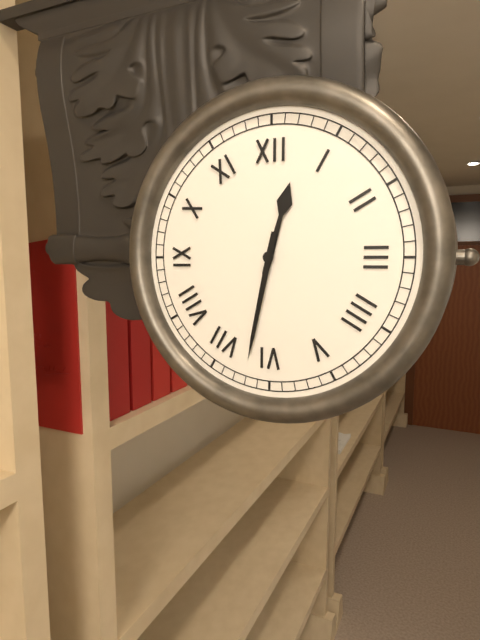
12:32
